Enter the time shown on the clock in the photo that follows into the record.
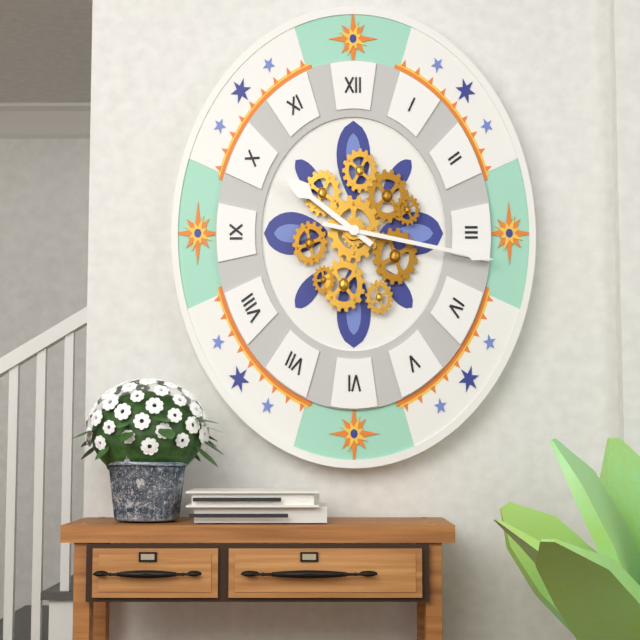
10:17
